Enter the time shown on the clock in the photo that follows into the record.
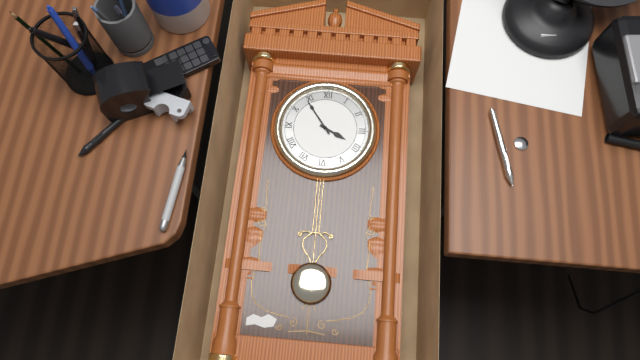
3:54
